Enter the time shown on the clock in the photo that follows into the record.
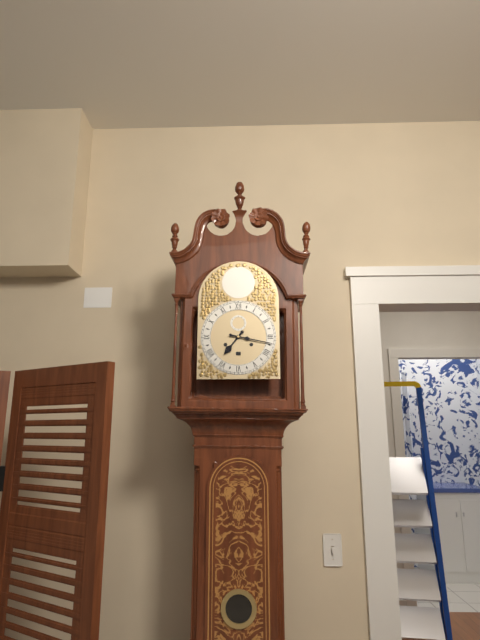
7:17
